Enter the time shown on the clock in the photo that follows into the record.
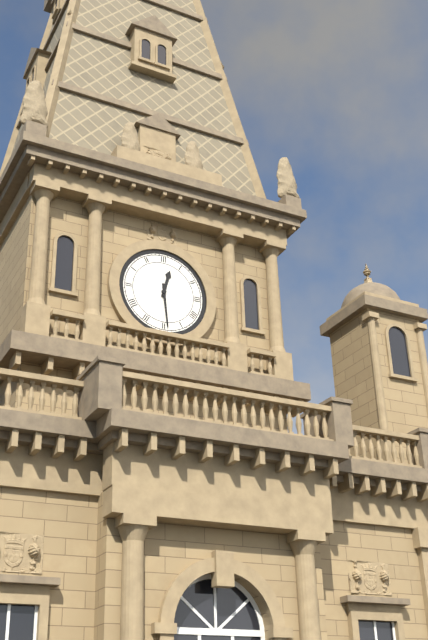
12:29
